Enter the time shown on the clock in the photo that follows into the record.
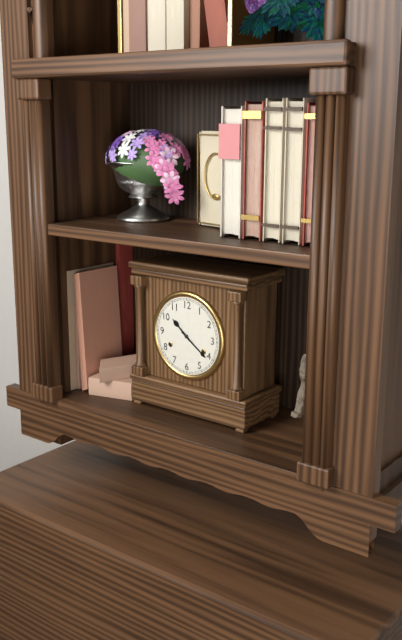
10:21
